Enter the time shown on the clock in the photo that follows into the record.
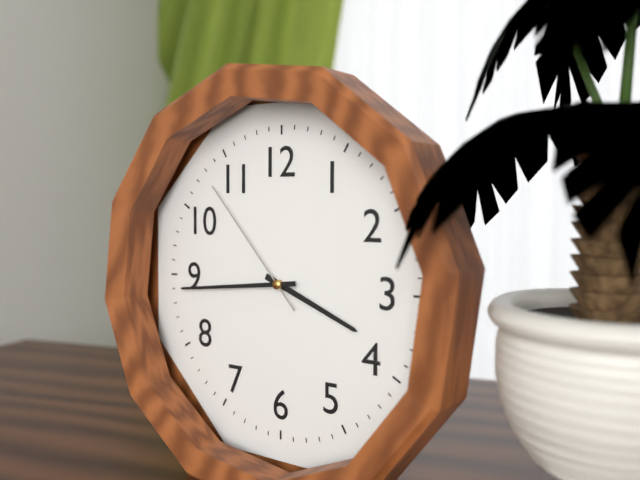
3:44:53
